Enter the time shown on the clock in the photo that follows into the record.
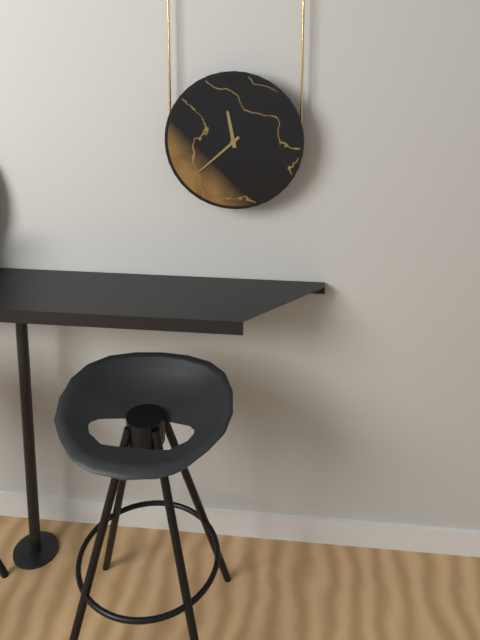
11:38
